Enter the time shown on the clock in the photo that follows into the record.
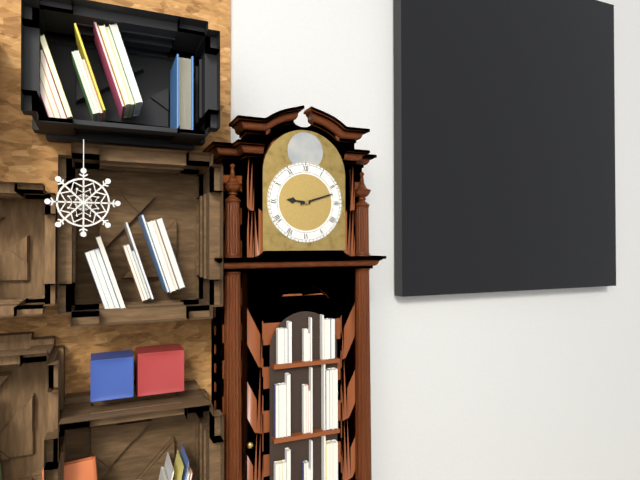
9:12
